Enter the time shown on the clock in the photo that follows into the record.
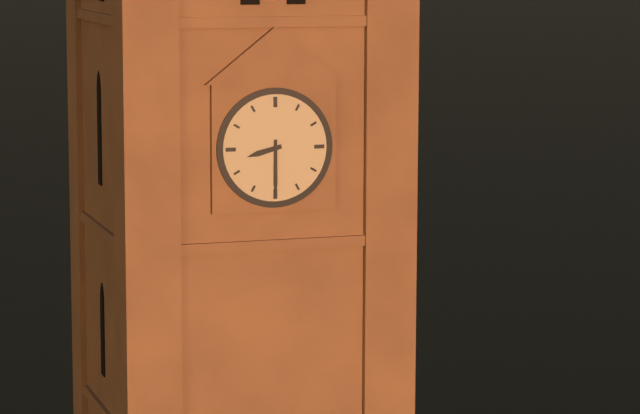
8:30
